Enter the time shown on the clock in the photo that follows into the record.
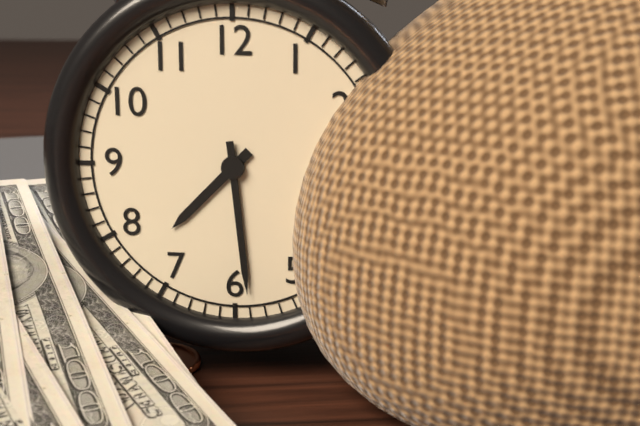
7:29
